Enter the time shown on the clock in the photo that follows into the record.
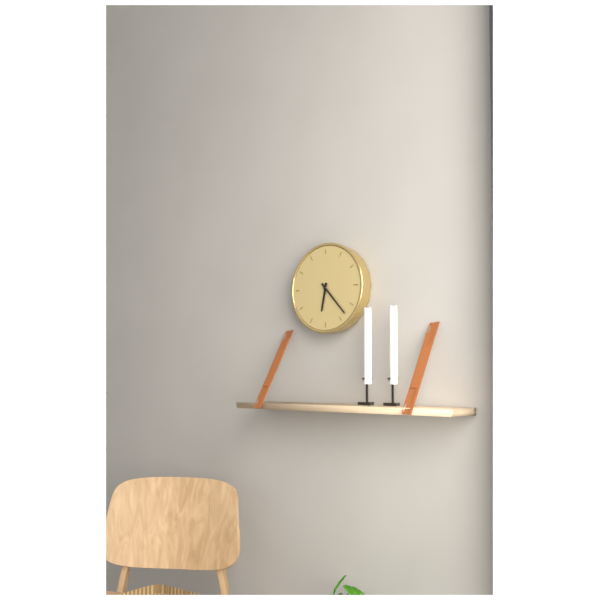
6:23
